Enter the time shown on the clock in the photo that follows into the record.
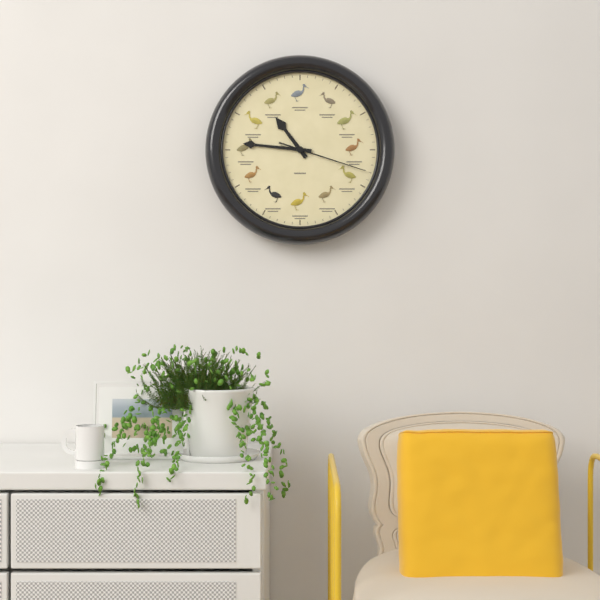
10:46:18
